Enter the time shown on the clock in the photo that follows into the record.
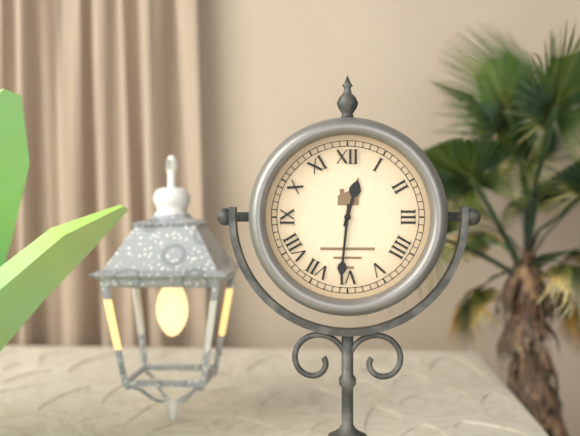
12:31
